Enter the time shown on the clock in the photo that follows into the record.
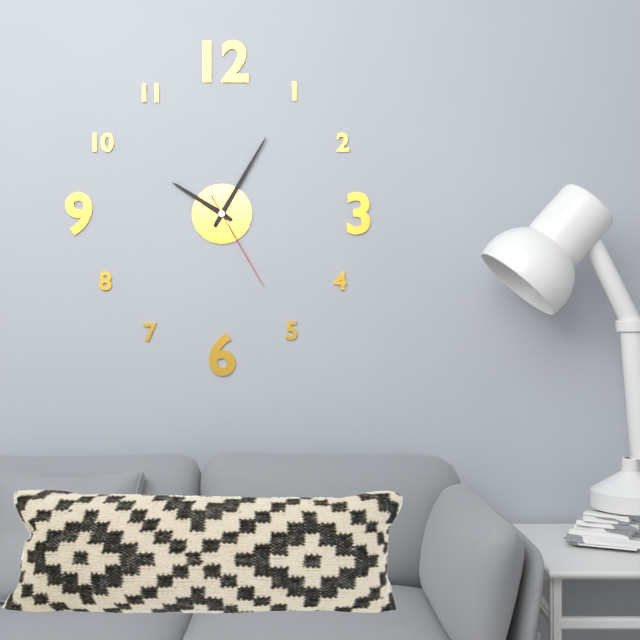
10:05:25
